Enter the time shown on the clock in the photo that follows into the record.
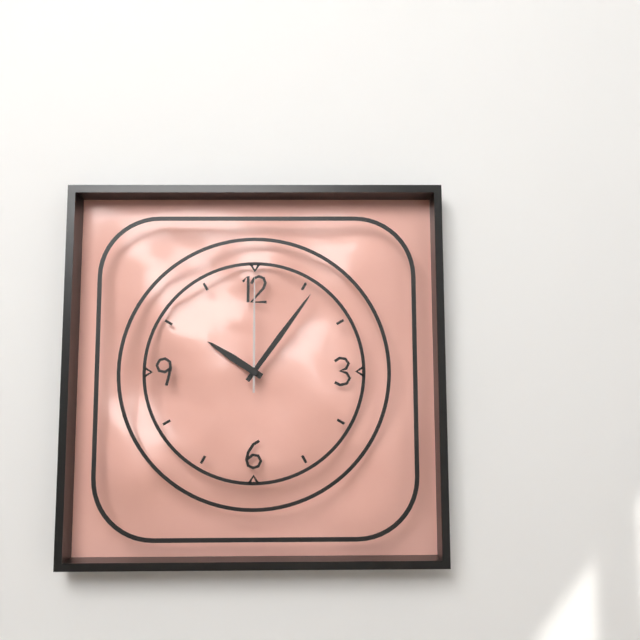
10:06:00
